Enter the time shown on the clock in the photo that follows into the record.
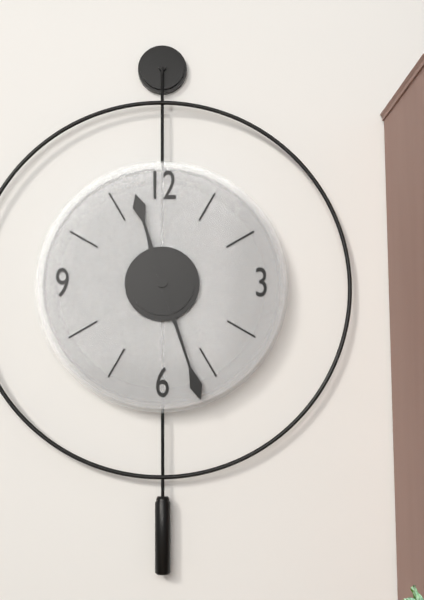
11:27
